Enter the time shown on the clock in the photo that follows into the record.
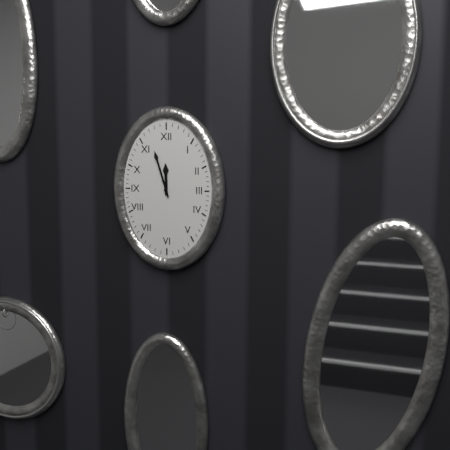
11:57
